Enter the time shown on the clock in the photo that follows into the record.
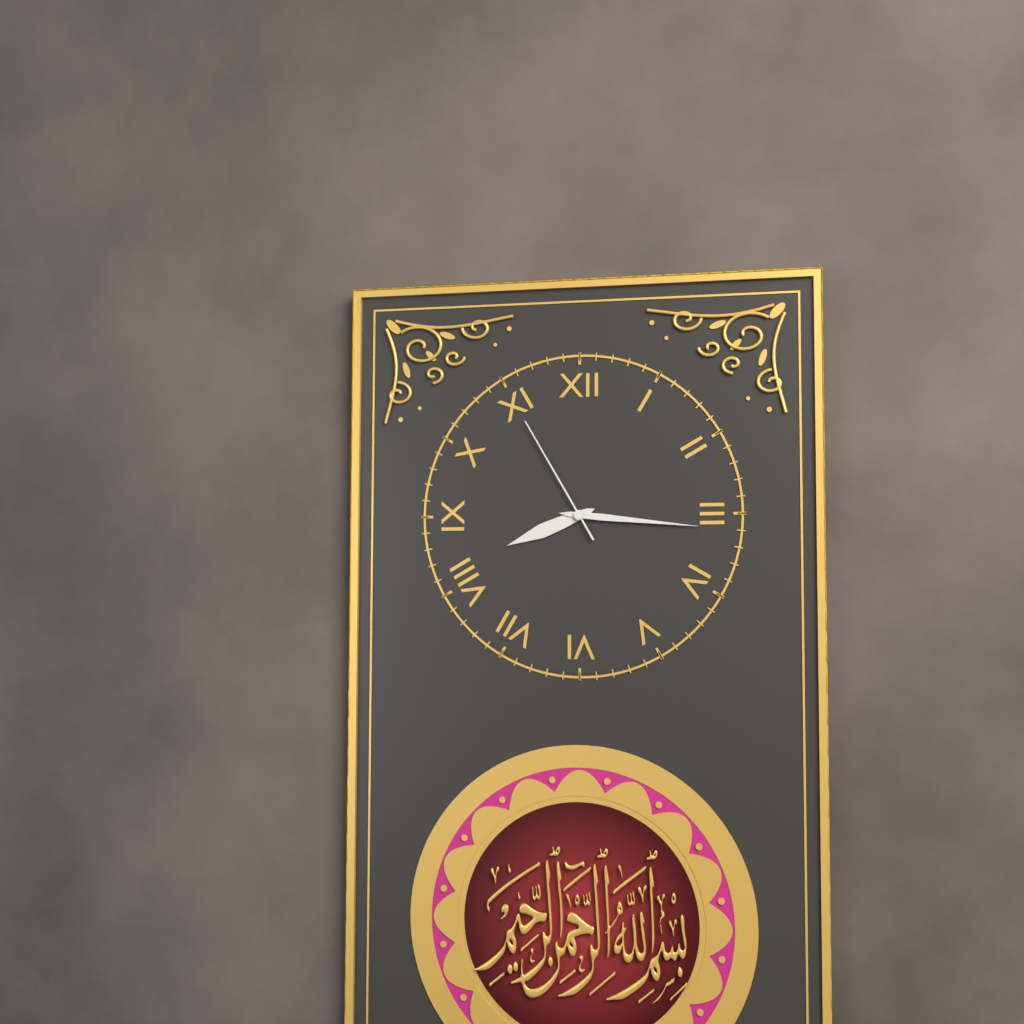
8:16:55
